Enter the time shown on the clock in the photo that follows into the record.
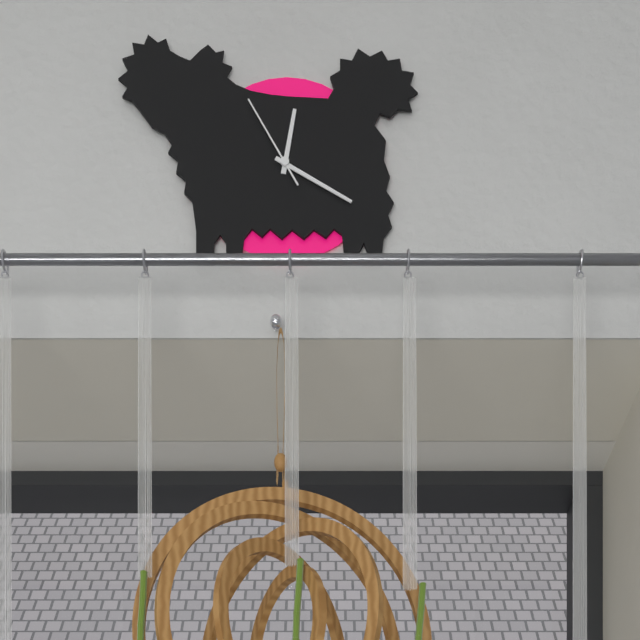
12:20:55
